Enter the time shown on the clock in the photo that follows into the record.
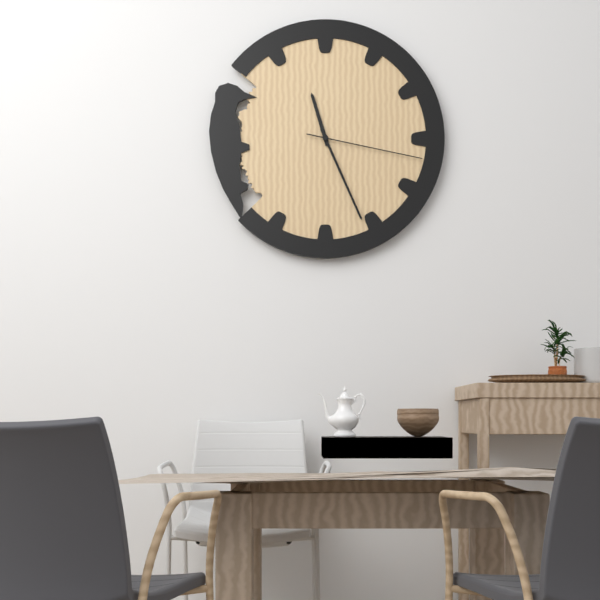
11:26:17
